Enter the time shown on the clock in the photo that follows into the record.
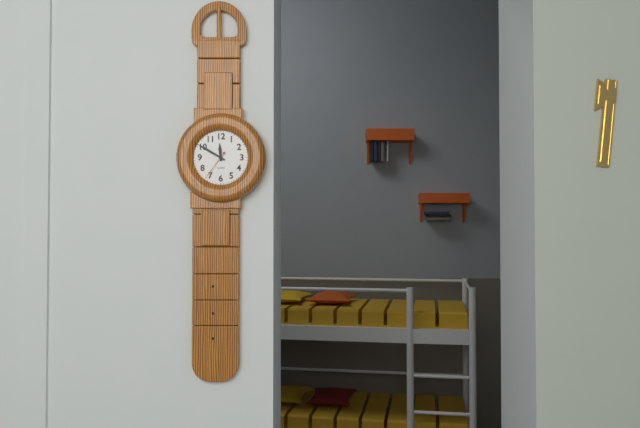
11:50
